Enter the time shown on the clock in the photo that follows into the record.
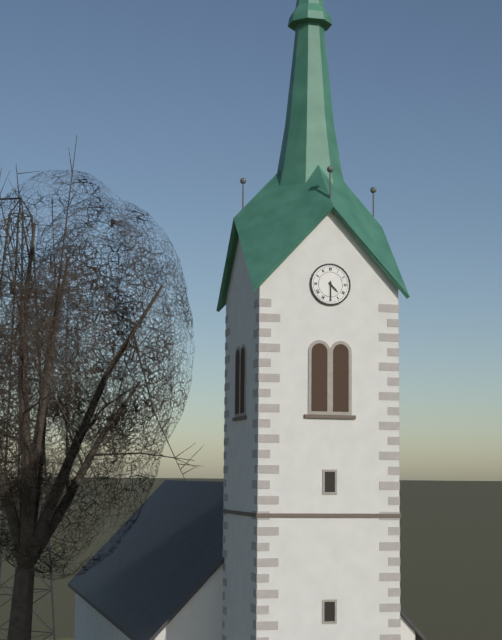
4:30
